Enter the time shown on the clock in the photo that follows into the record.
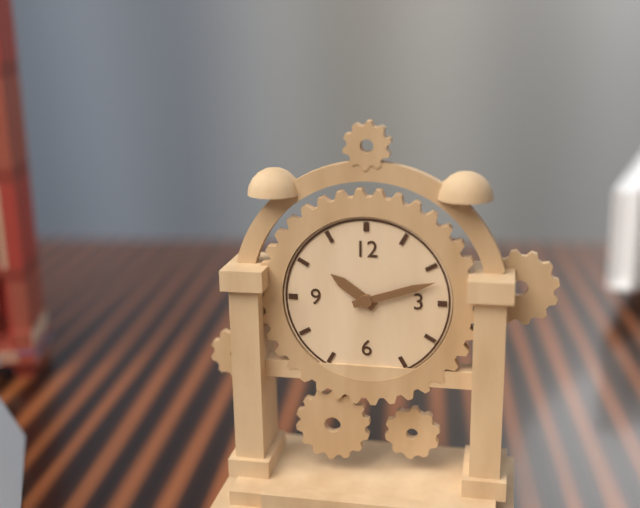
10:12
